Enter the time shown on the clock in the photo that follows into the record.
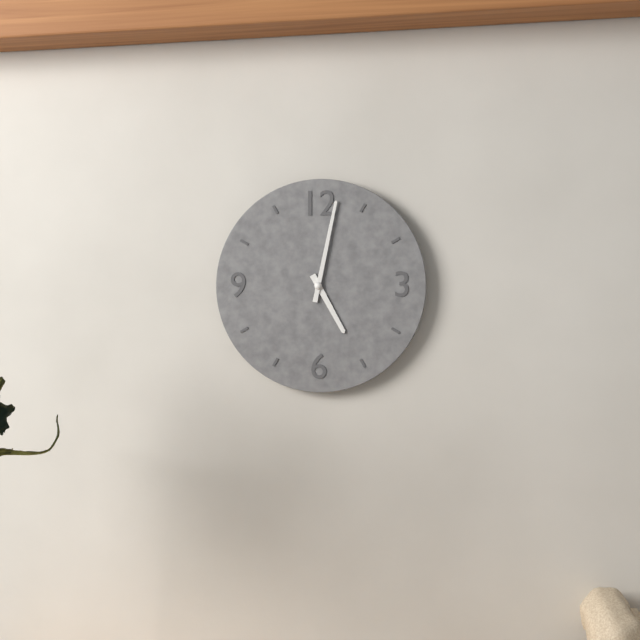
5:02
